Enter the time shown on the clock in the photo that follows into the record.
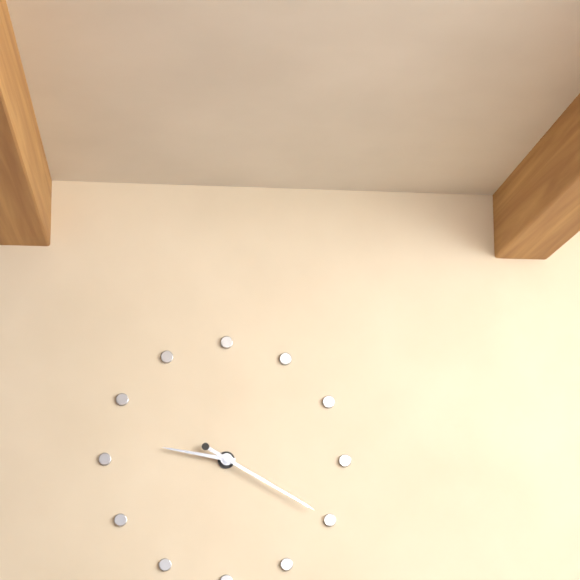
9:20
